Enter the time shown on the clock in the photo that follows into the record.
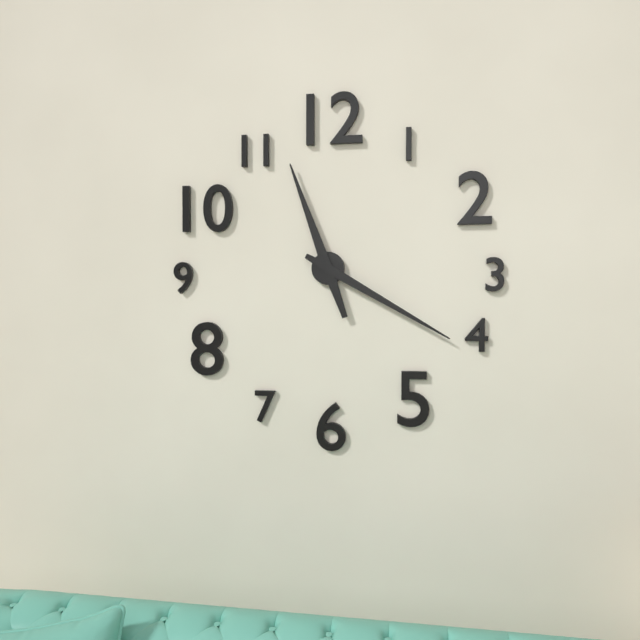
11:20
